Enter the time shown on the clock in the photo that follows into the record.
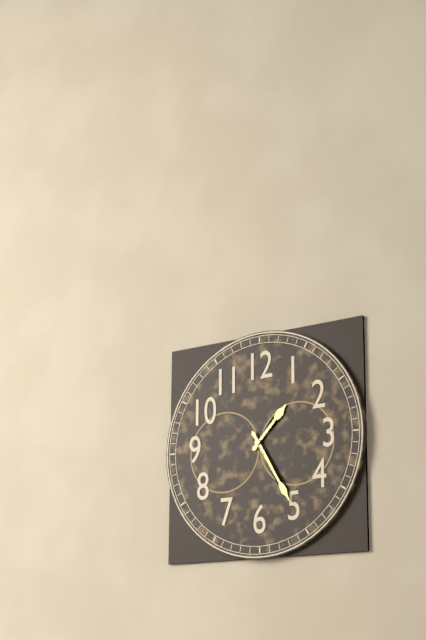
1:25
